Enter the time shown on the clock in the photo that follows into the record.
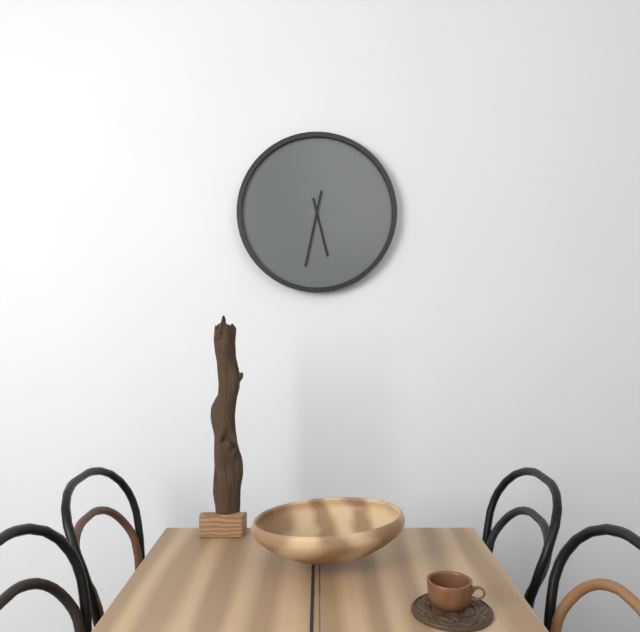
5:32
